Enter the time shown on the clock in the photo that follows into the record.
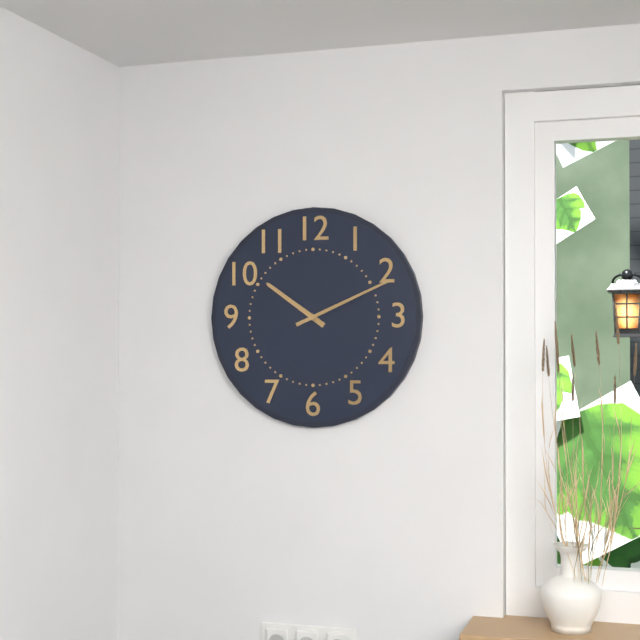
10:11
